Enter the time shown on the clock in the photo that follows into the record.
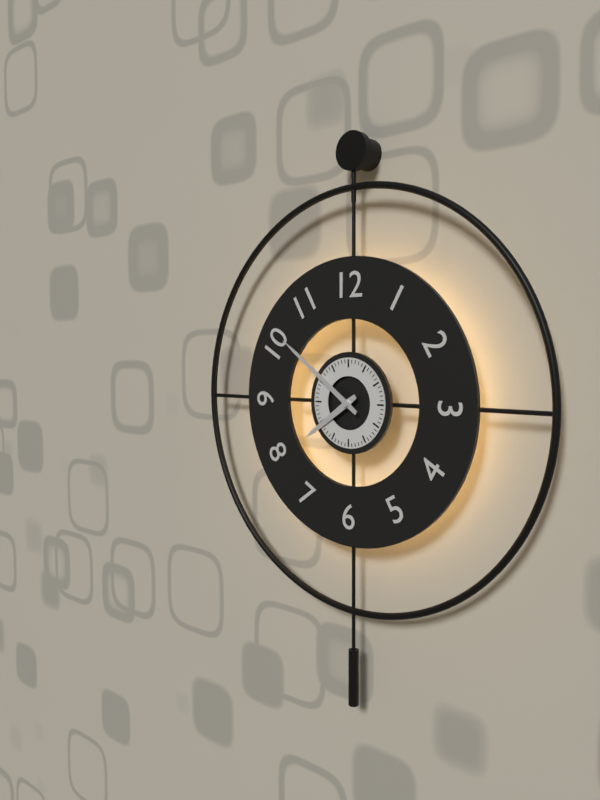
7:51
